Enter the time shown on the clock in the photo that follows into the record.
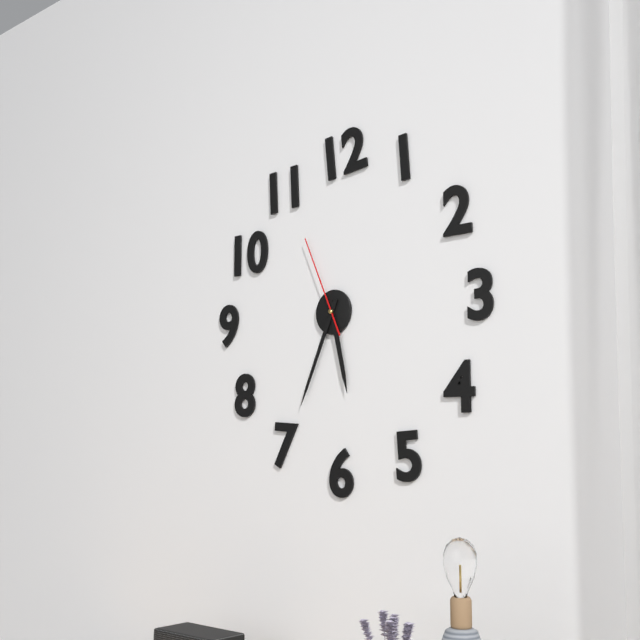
5:34:56
